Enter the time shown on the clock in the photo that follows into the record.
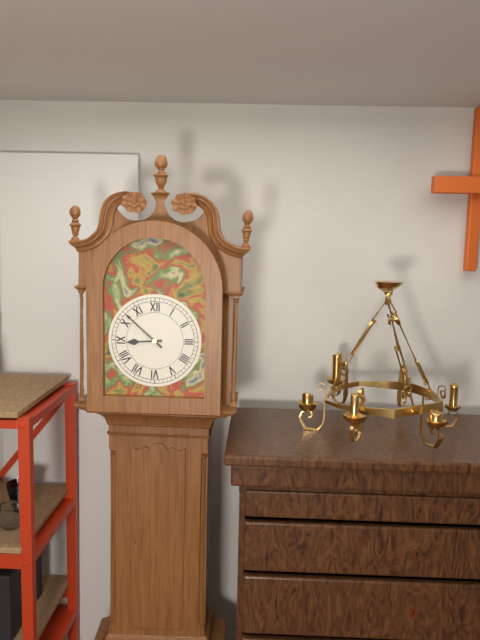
8:52
